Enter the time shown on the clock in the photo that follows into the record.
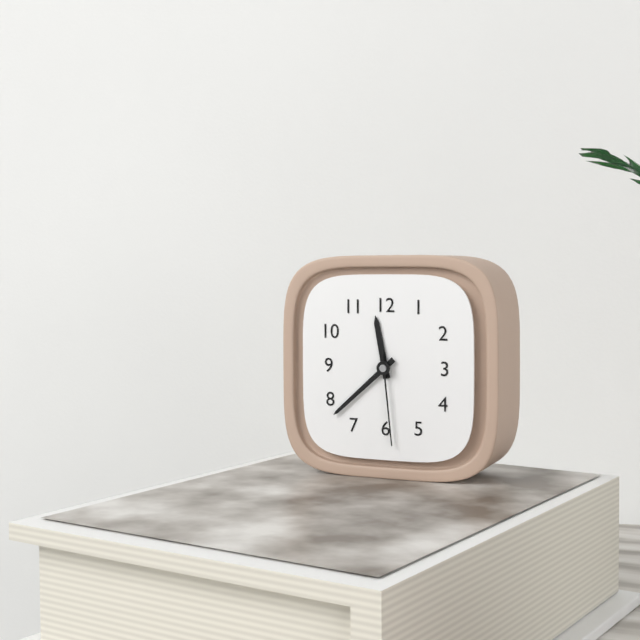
11:38:29
